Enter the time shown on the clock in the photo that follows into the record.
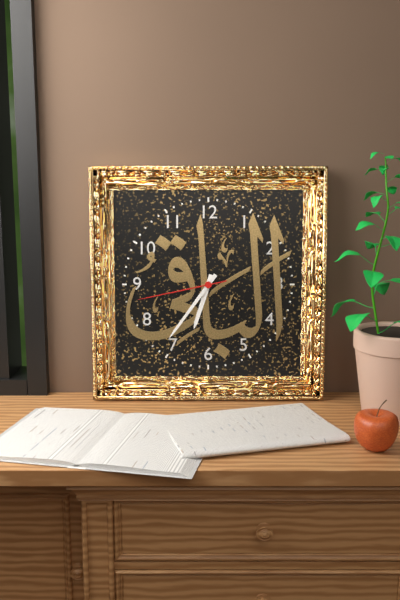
6:36:43
